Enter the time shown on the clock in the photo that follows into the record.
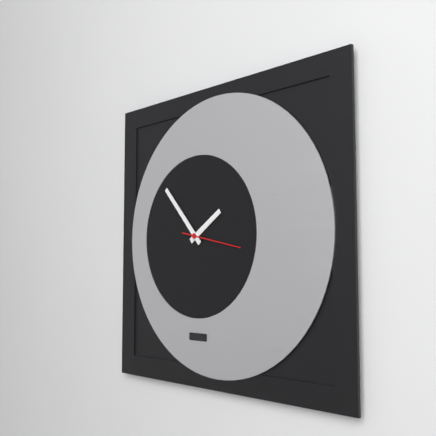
1:53
